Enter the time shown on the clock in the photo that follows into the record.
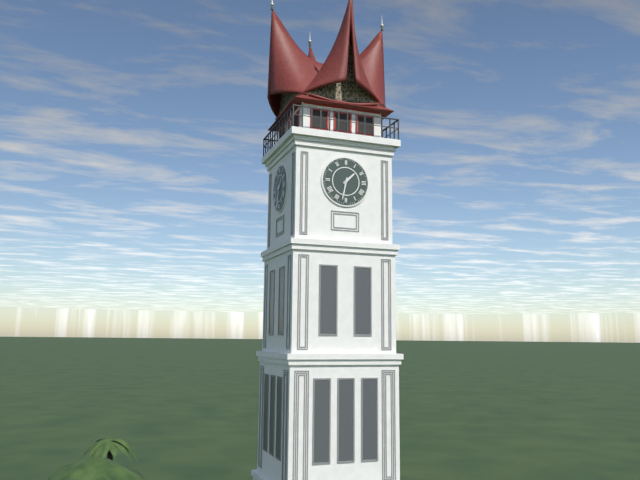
1:32
